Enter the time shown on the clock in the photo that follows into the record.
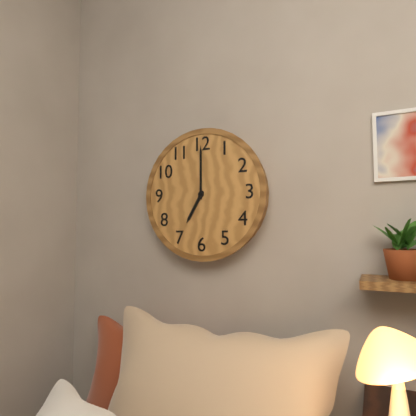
7:00
